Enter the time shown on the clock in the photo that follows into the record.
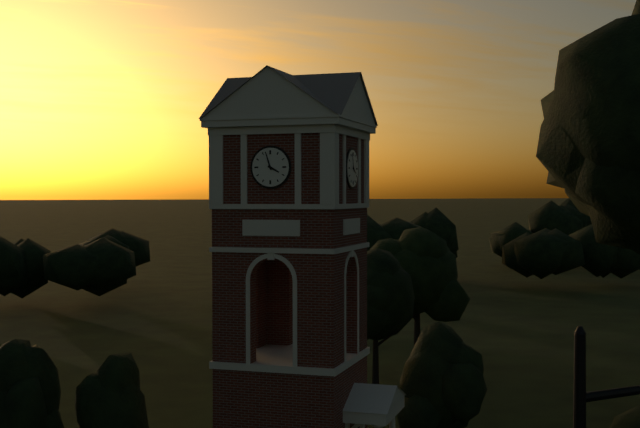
3:57
